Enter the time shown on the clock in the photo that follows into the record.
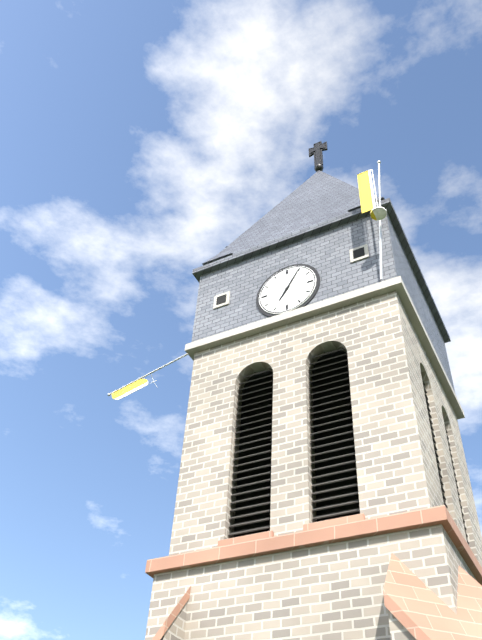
7:05
